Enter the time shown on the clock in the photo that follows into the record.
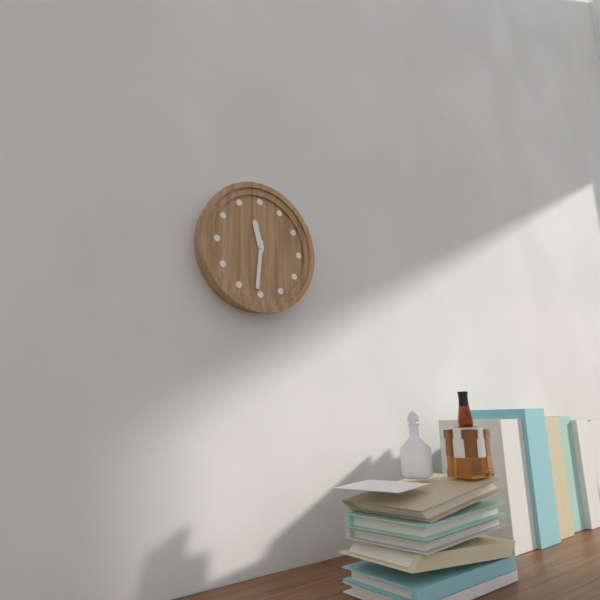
11:31
